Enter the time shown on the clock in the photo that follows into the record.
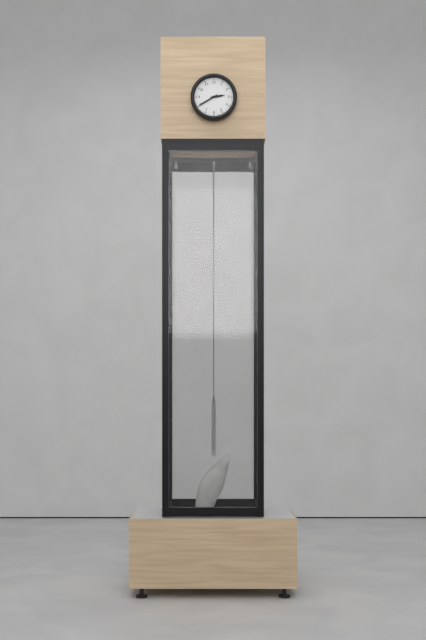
2:40
